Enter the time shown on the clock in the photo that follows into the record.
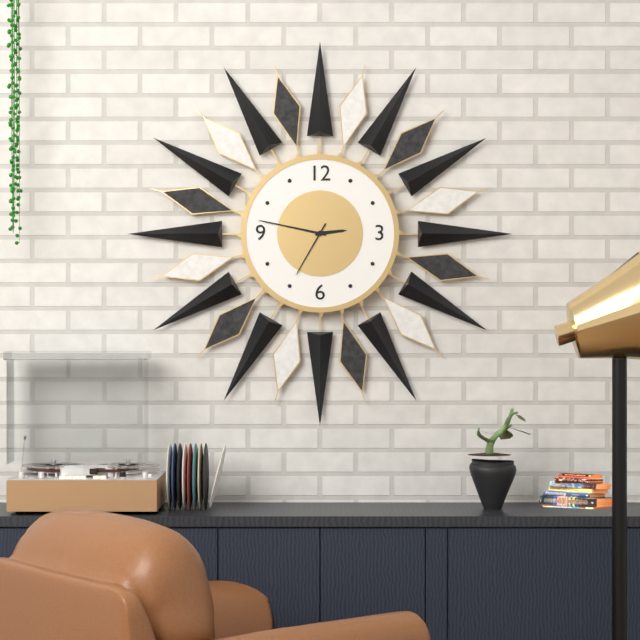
2:47:35
